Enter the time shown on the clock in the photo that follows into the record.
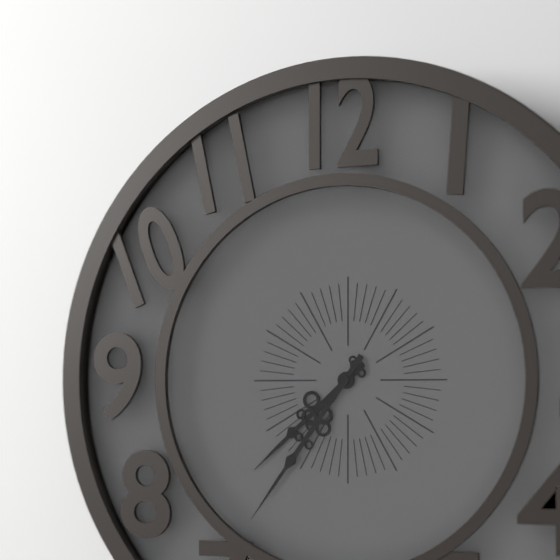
7:36
